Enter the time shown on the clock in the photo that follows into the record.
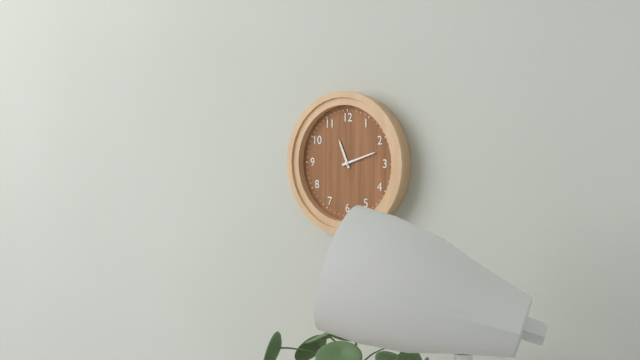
11:12
